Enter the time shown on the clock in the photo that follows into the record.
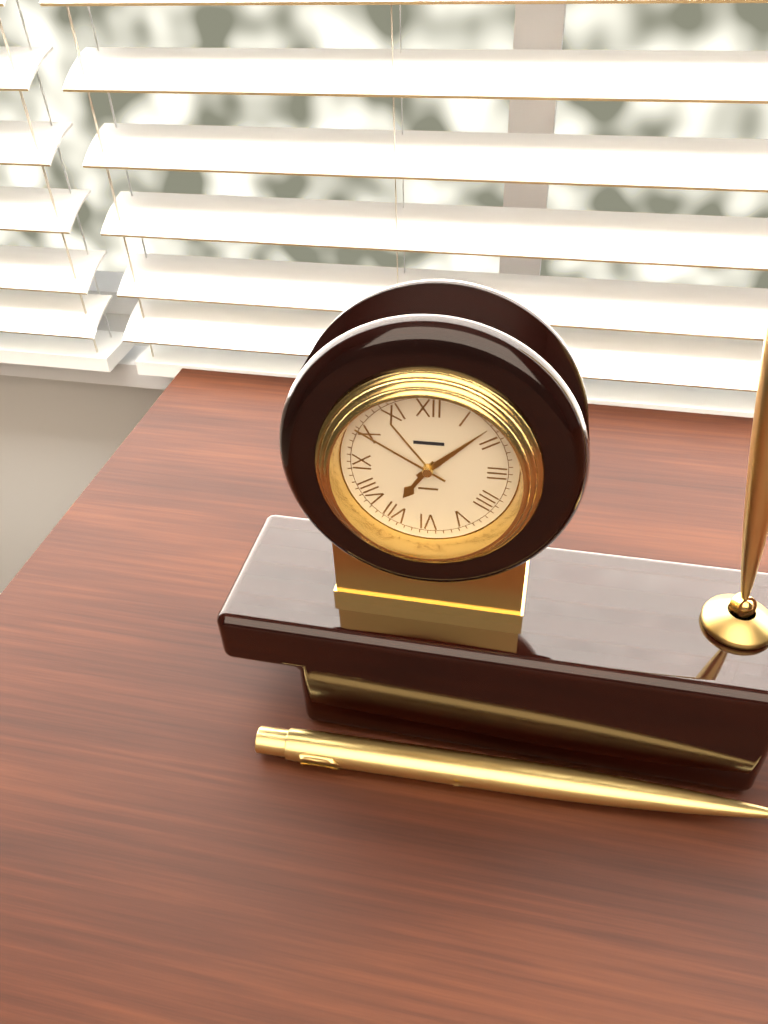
7:08:50
